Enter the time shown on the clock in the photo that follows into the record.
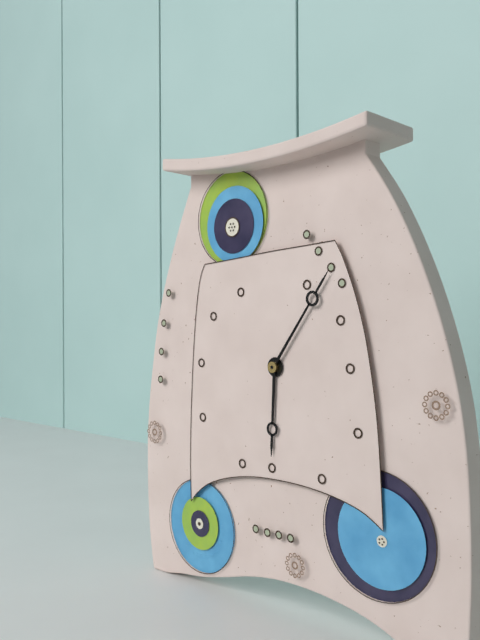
6:06
